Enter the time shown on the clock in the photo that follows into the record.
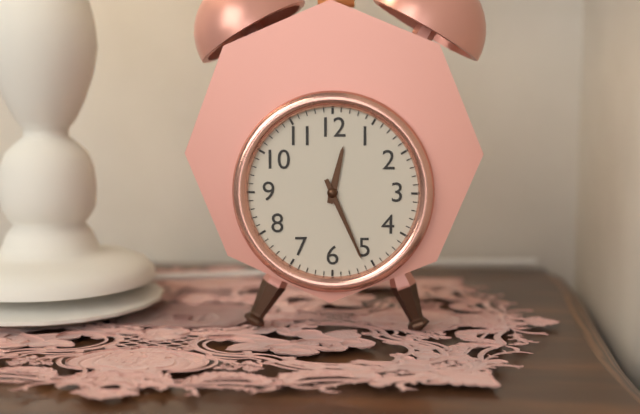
12:26
